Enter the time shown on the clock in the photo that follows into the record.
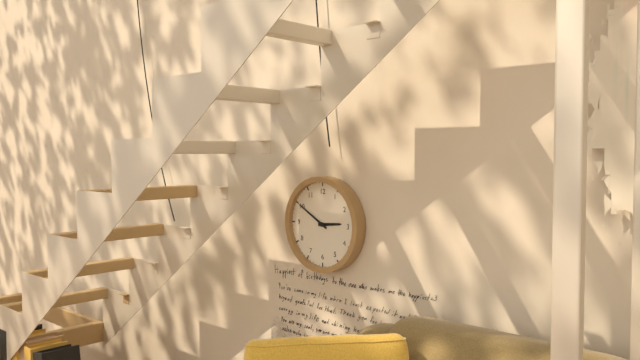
2:50
